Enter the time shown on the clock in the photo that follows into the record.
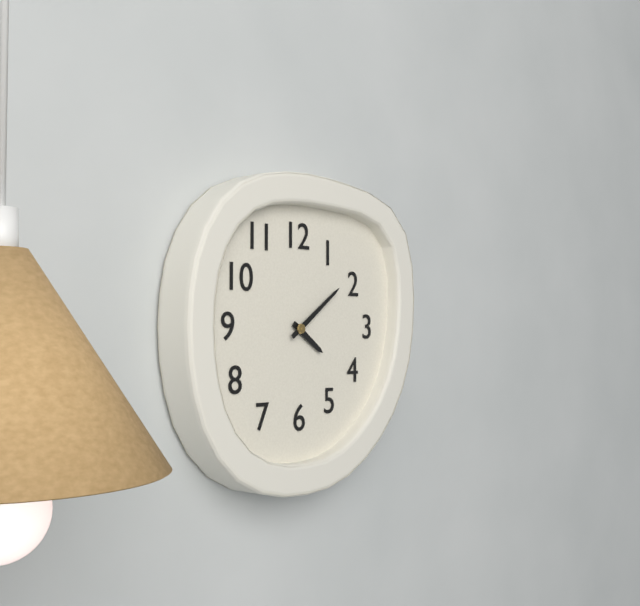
4:09
